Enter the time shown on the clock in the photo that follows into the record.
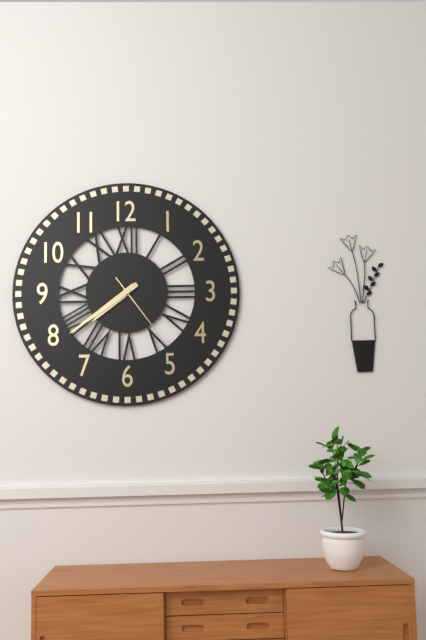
7:39:24
